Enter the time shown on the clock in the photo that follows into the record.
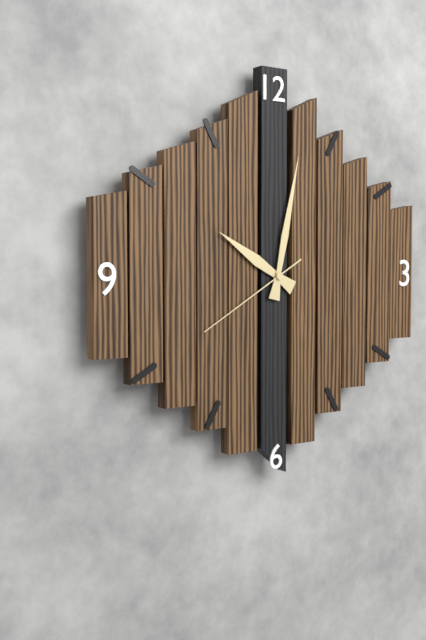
10:02:40
